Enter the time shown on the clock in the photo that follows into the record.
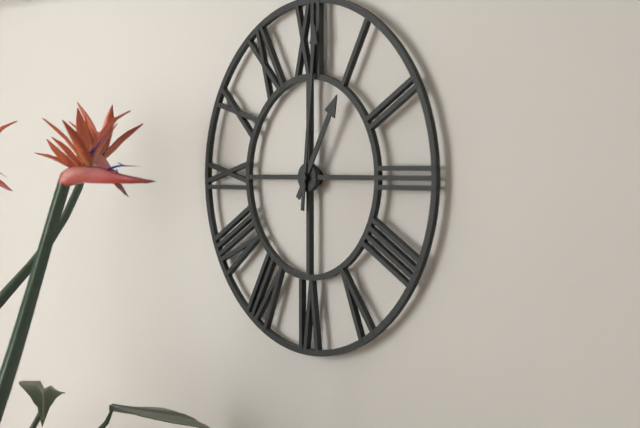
1:01
